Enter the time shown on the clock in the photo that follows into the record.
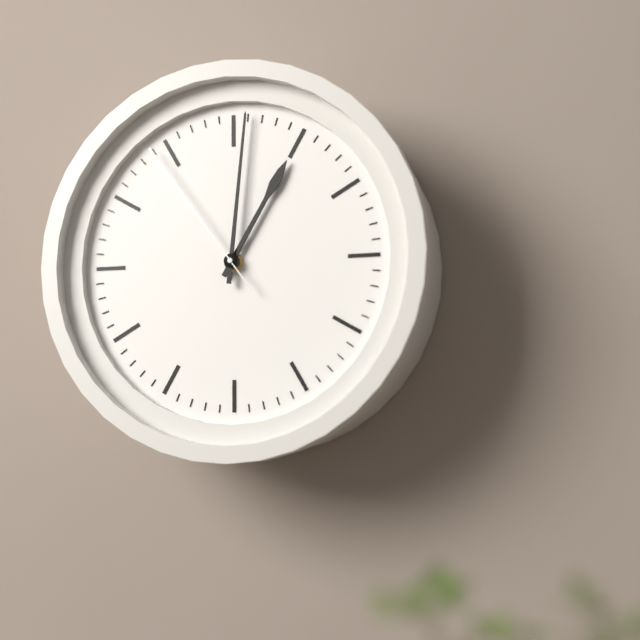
1:01:54
